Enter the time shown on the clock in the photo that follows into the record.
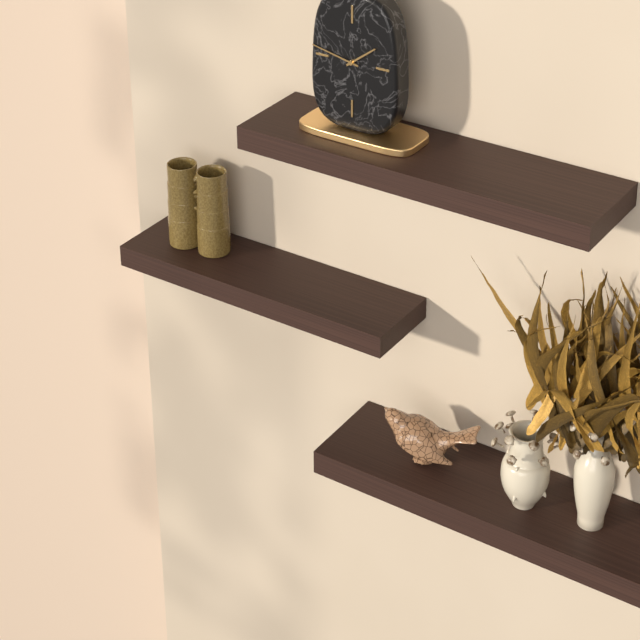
1:47
